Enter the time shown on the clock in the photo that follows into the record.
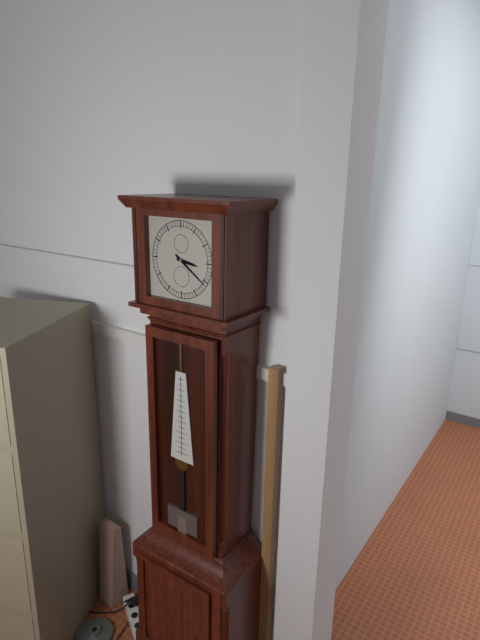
3:21
